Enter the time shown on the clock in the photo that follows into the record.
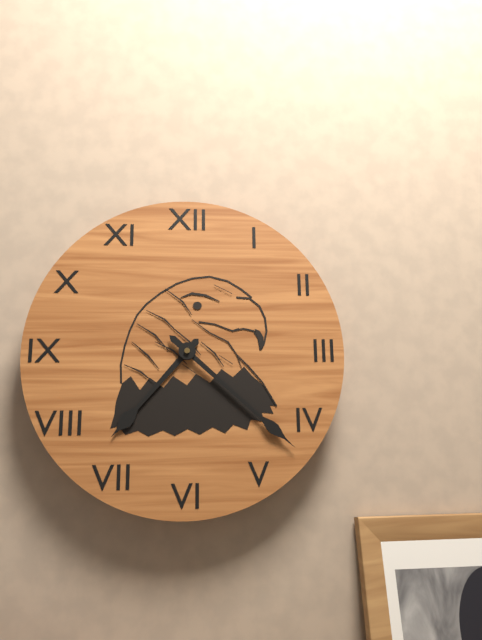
7:22
